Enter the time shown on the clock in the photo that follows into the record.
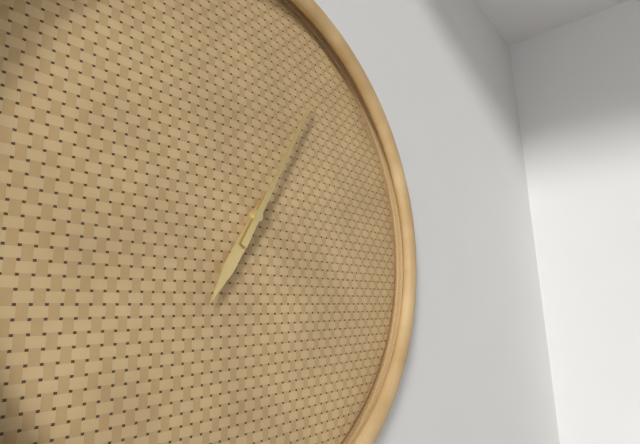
7:05
